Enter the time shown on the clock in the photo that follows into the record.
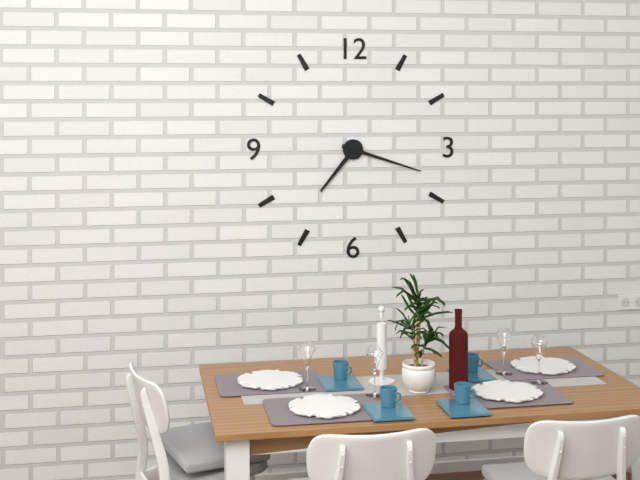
7:18
